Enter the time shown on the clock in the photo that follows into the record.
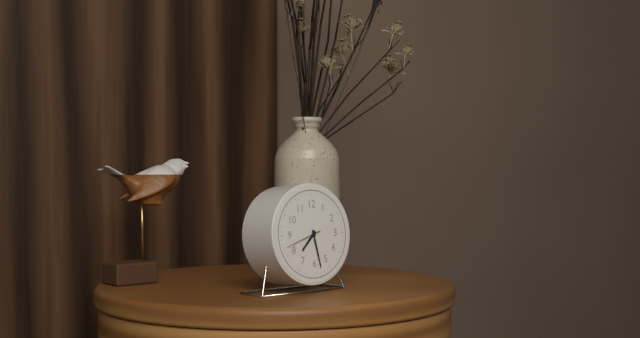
7:28
